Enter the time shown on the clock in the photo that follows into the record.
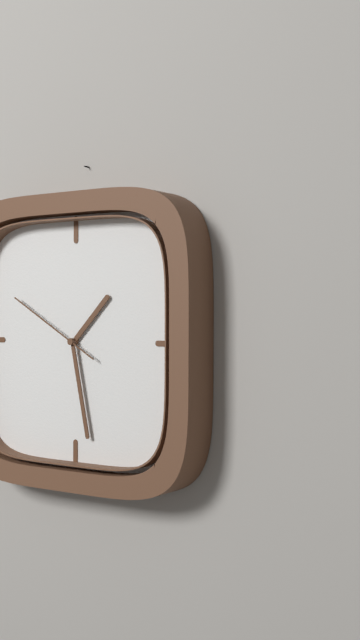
1:28:50
